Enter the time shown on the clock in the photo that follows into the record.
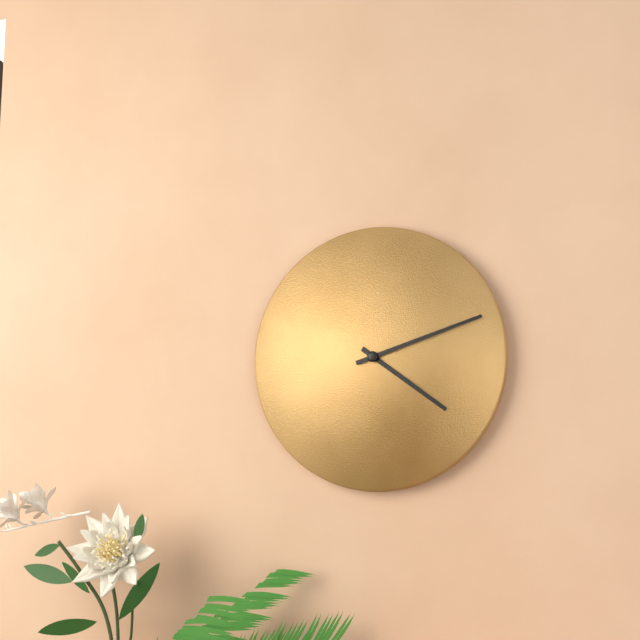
4:12
